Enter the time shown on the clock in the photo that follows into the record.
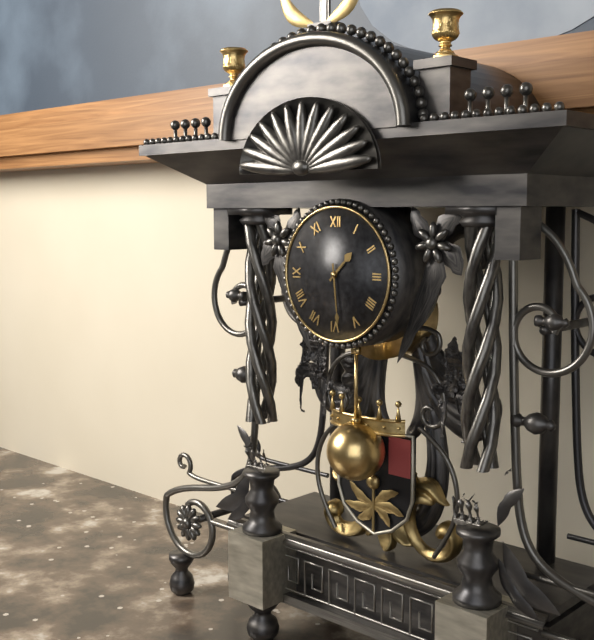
1:29
